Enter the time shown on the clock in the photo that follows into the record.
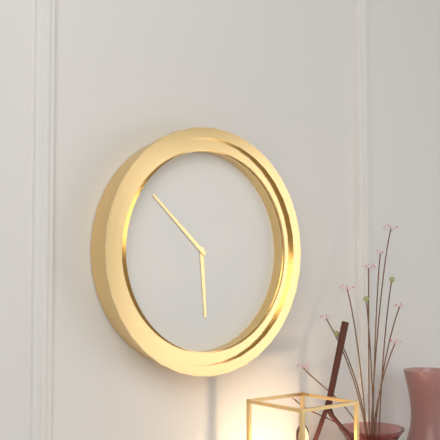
5:52
